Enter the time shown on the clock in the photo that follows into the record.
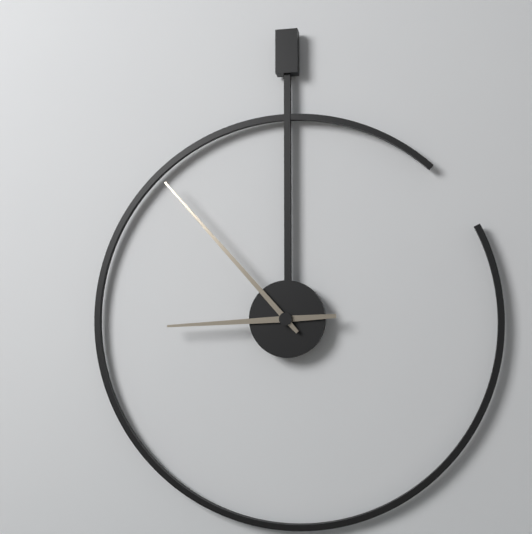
8:53
